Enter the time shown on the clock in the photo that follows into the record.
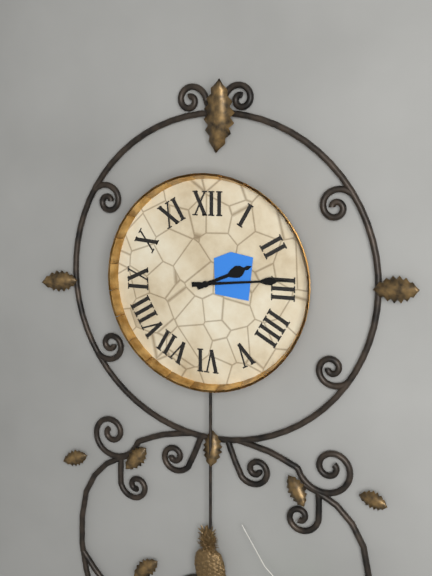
2:14
